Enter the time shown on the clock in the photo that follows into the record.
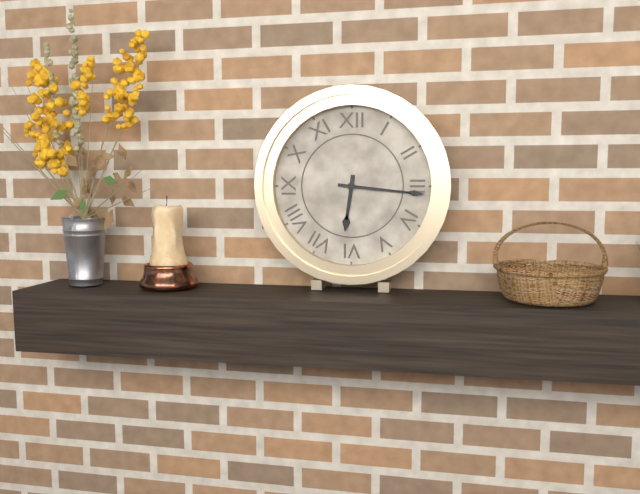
6:16
